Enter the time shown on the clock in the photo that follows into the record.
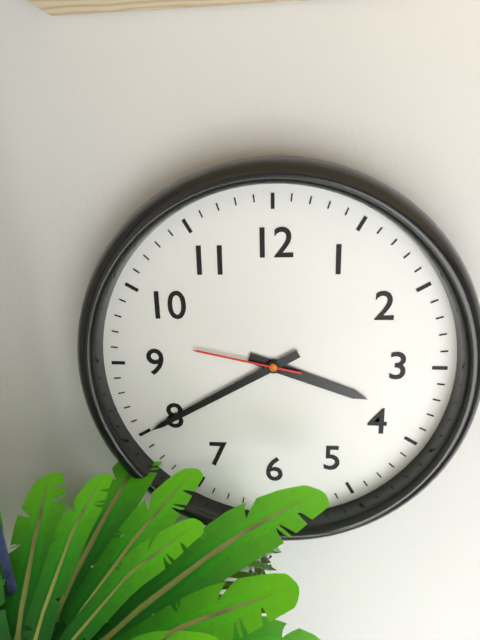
3:40:47
